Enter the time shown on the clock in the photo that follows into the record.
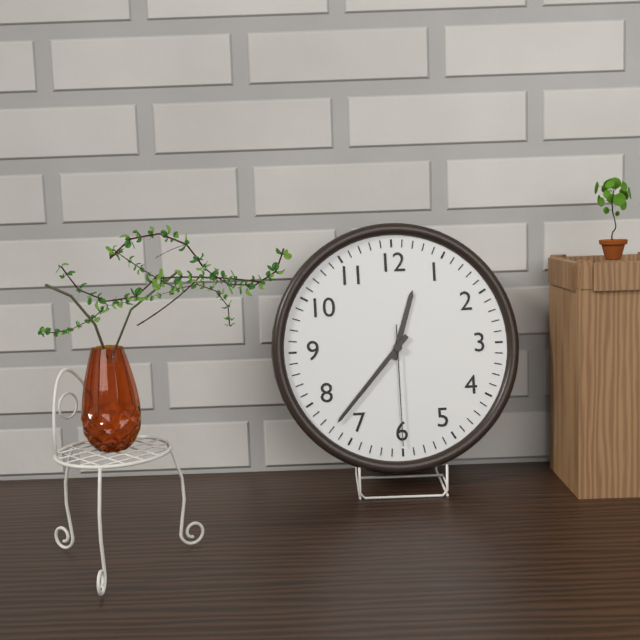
12:37:30
